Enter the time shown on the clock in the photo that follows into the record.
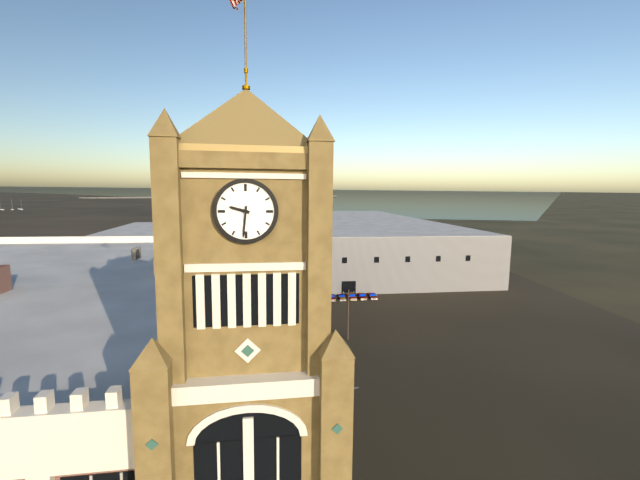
9:31
